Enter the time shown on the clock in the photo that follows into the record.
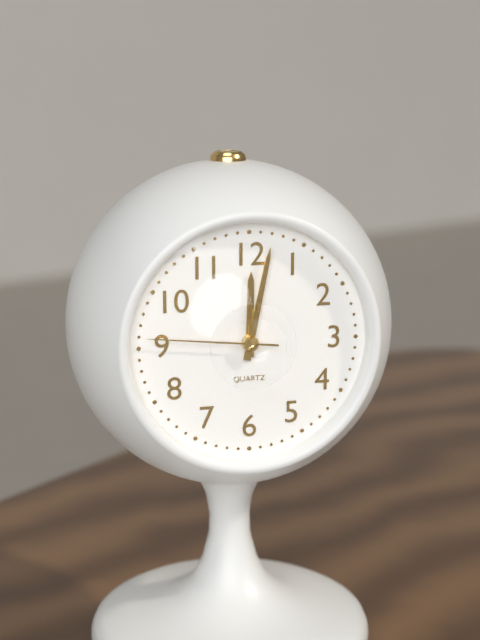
12:02:46
